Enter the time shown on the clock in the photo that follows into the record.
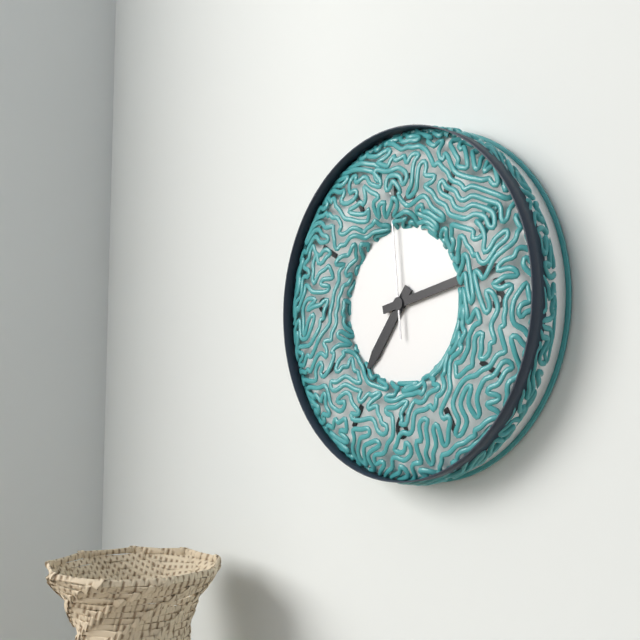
7:13
